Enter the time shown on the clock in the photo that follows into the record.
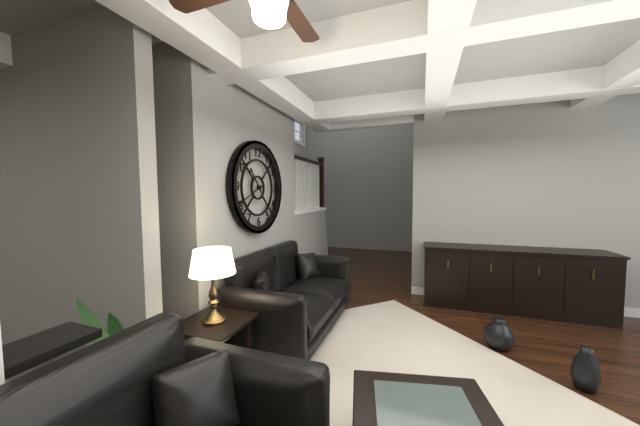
10:41
